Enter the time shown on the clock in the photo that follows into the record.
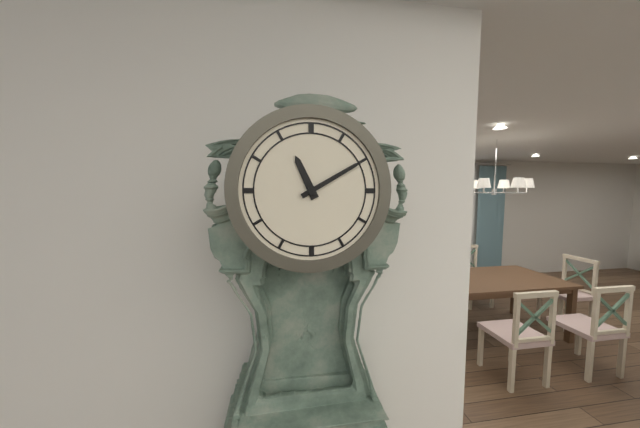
11:10
